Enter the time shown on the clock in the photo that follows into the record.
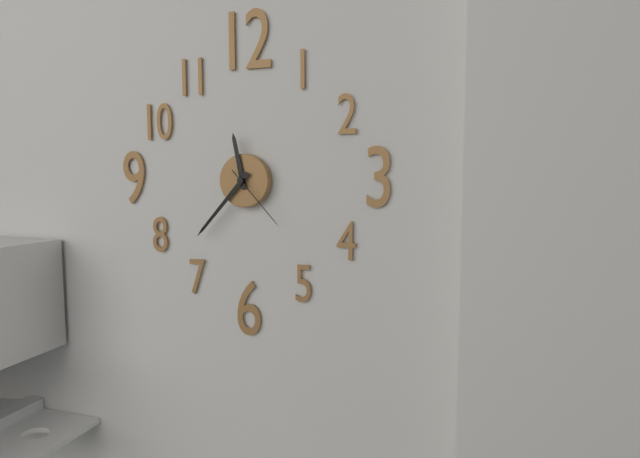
11:37:23
